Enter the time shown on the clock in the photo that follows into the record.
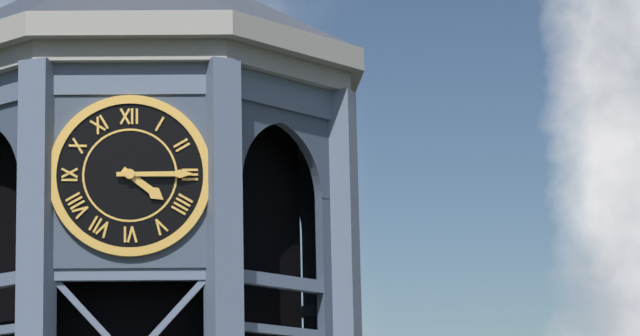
4:15
